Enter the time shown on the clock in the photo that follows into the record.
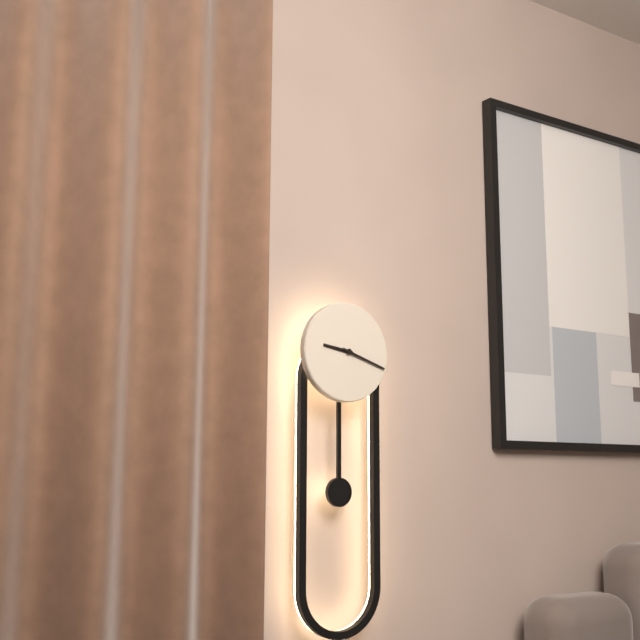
9:18
